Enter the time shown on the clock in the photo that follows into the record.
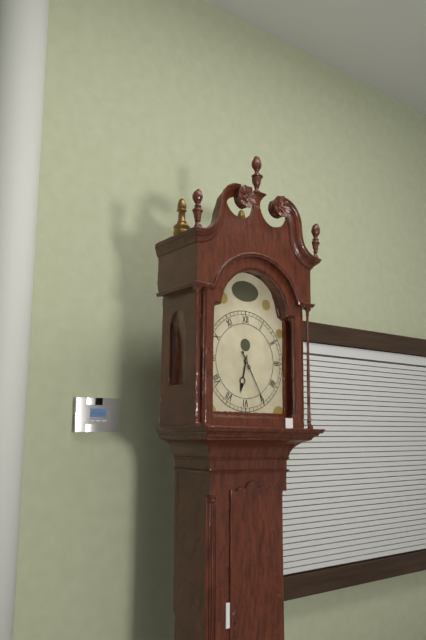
6:25
